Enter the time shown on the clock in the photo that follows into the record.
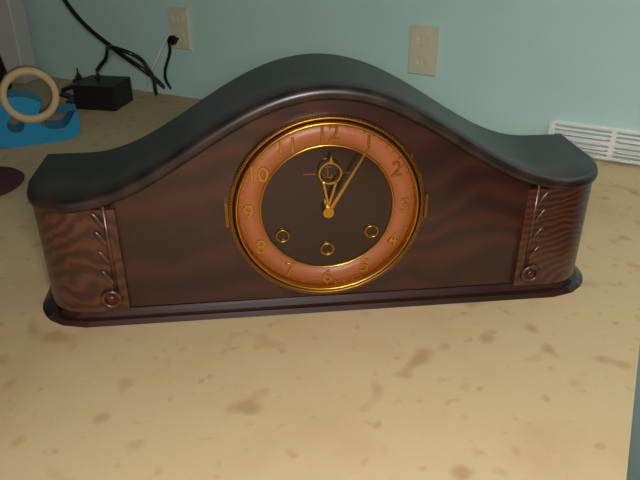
12:05
